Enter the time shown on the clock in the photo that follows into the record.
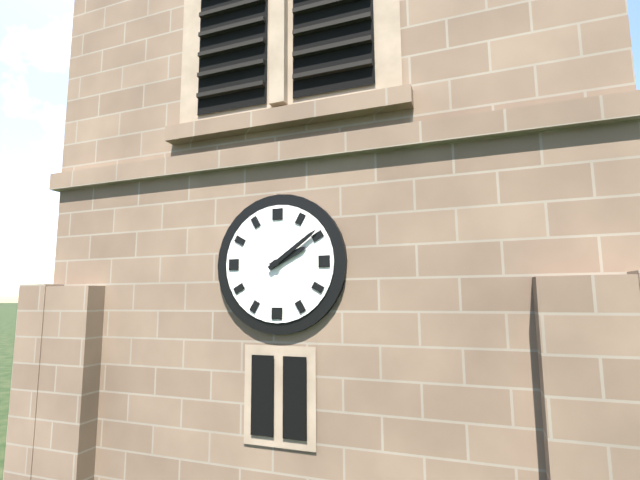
2:09
